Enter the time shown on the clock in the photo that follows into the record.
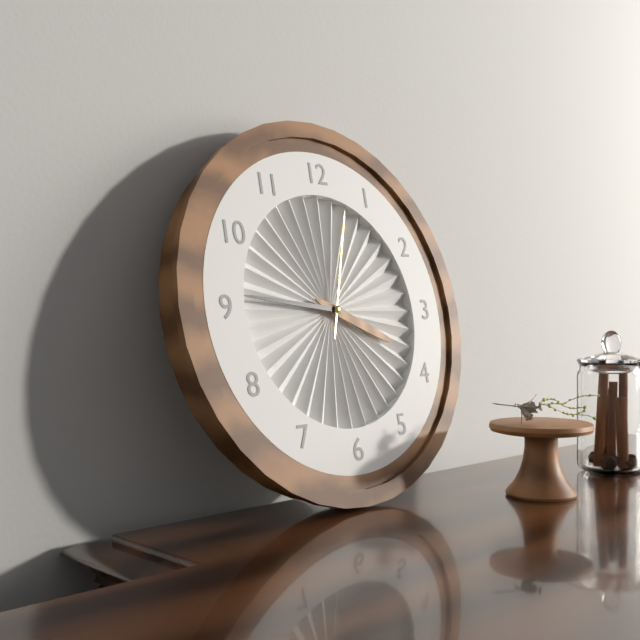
3:46:03
